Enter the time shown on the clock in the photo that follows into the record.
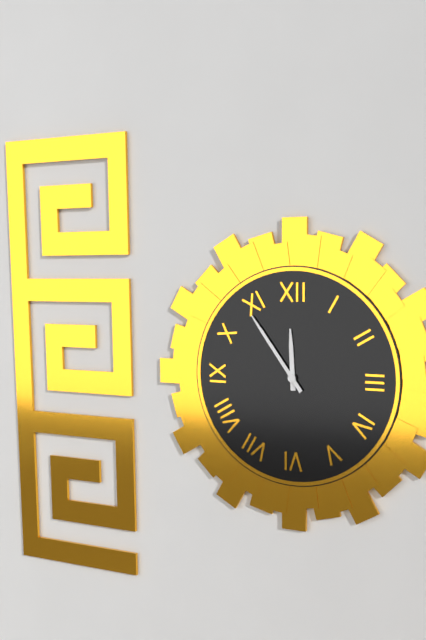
11:54
